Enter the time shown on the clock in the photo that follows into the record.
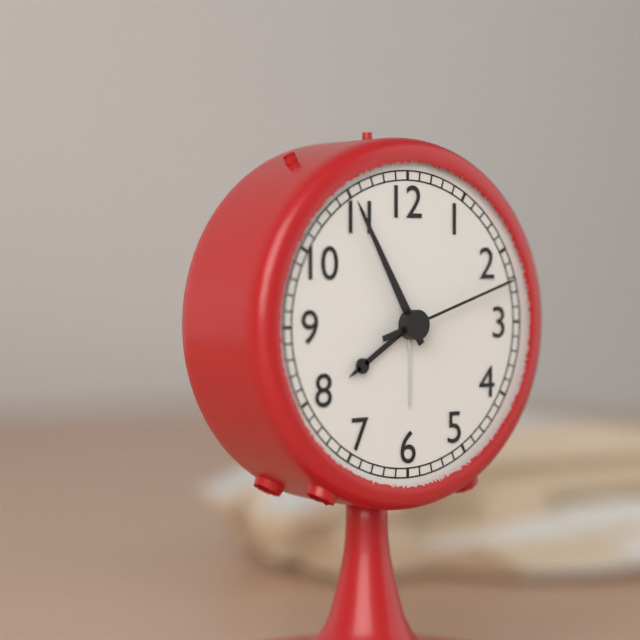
7:55:12
